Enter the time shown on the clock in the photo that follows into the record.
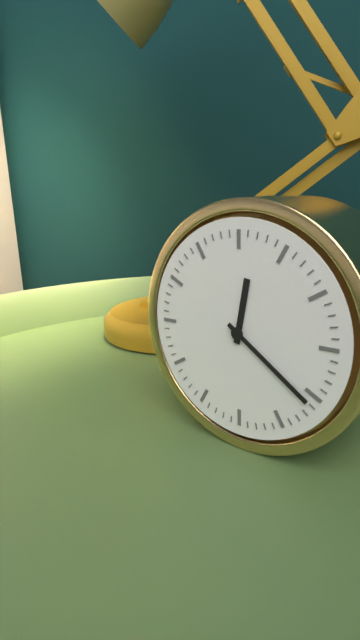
12:21
